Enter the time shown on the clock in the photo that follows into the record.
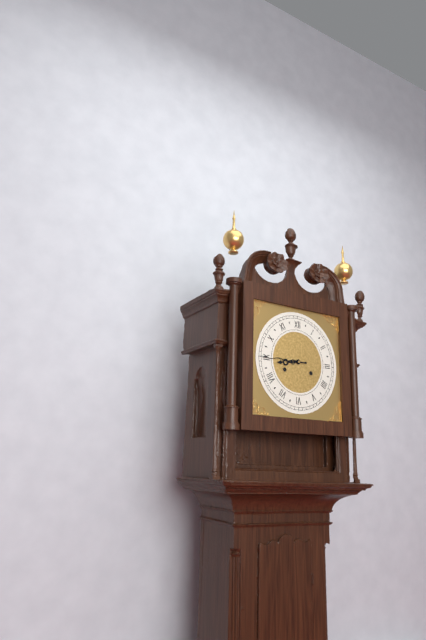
8:45
